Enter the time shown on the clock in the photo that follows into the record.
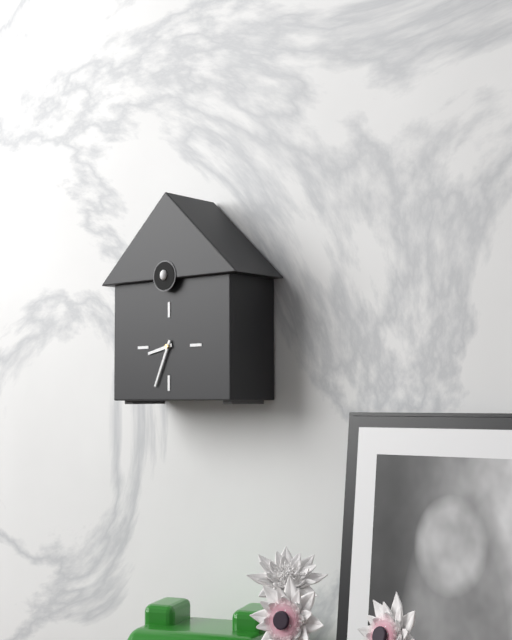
8:34
